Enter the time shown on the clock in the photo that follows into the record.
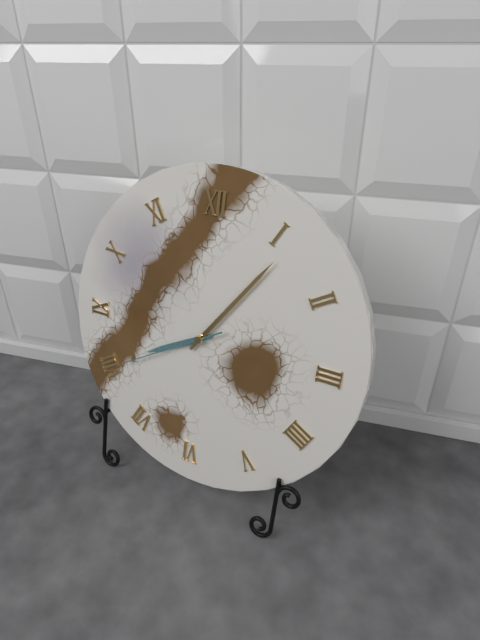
8:06:40
